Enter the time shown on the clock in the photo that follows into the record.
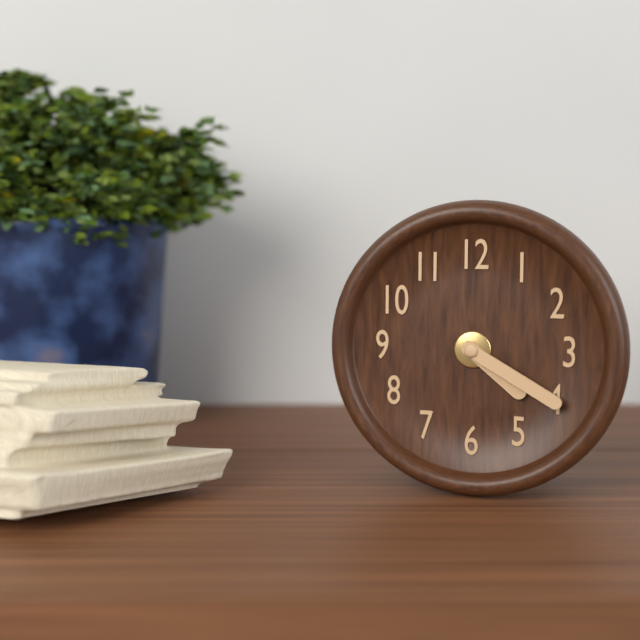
4:20
